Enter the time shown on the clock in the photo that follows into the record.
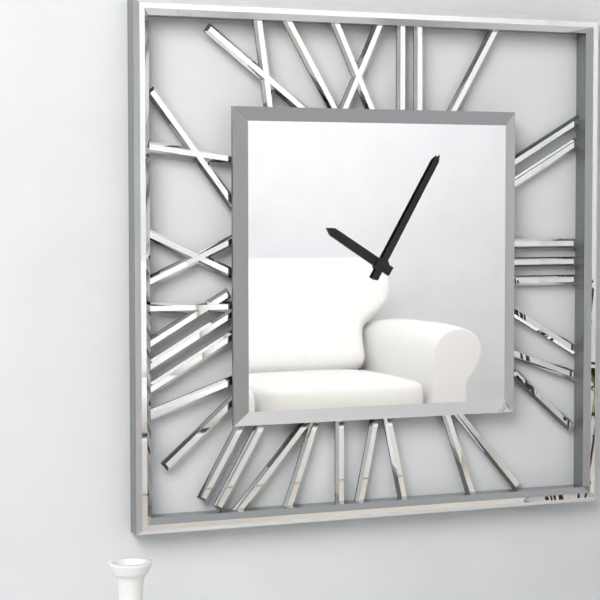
10:05
